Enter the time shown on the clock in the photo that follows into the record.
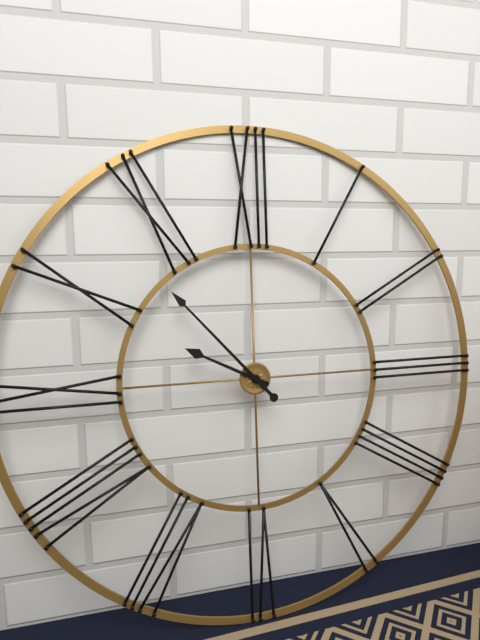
9:53
